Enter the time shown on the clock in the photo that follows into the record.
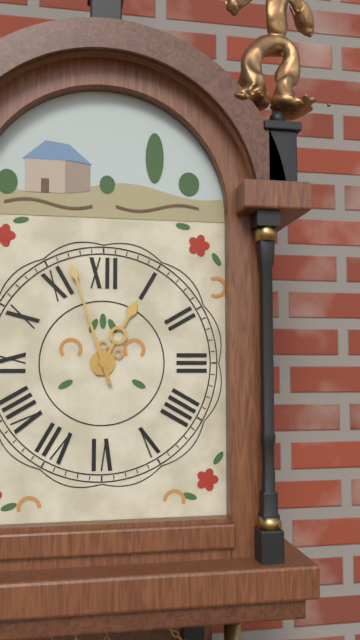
12:57
